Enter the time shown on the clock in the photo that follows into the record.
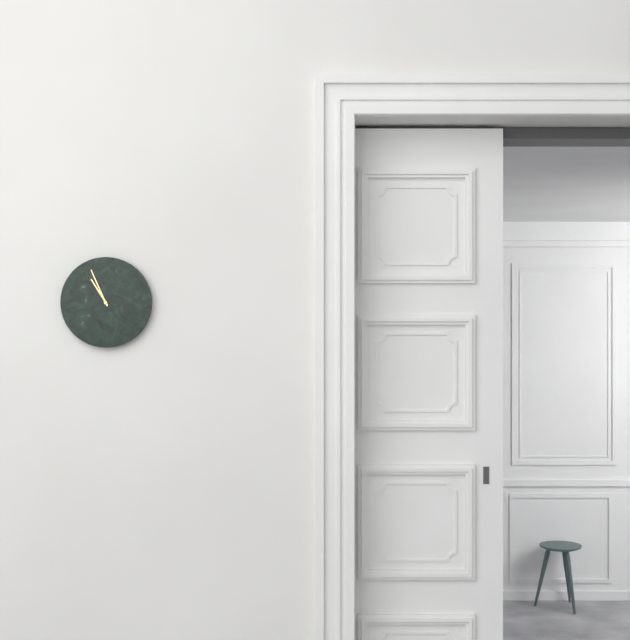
10:56
